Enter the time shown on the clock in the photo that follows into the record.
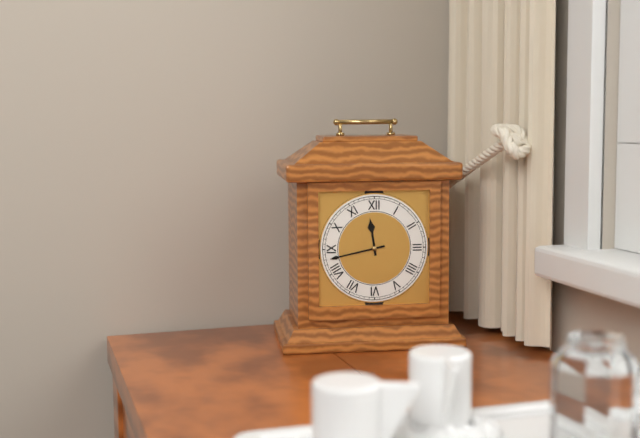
11:43
